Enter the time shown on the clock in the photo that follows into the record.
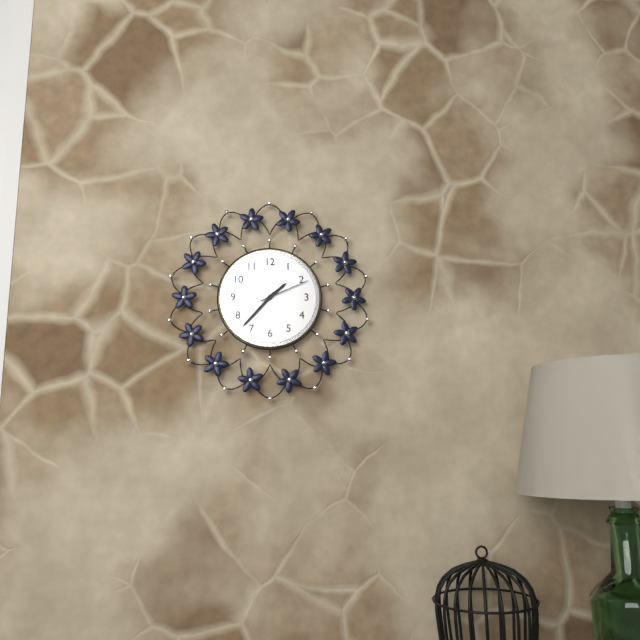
1:37:11
